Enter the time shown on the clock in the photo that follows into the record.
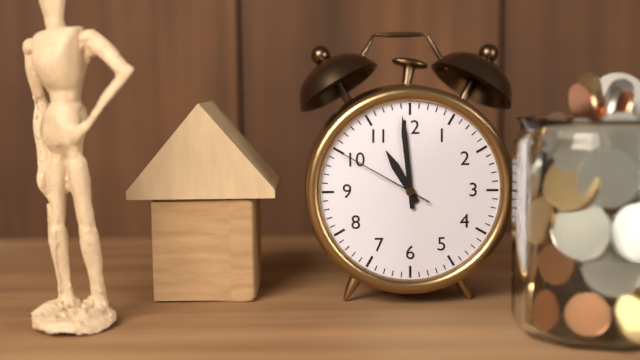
10:59:50
